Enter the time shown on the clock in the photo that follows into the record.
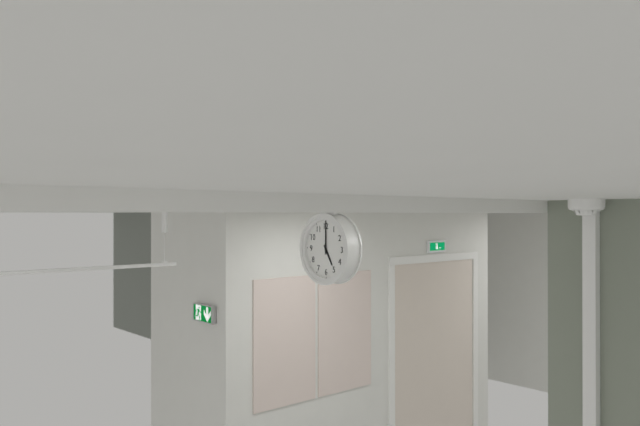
5:00
